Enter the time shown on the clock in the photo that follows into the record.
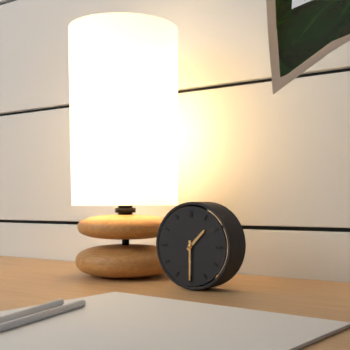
1:30
